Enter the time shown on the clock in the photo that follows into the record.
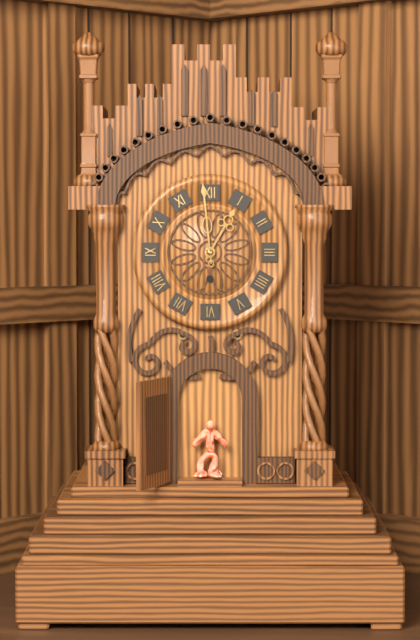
12:59
